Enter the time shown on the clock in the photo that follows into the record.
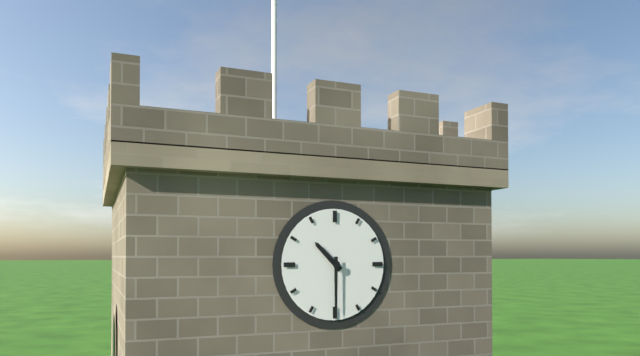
10:30
